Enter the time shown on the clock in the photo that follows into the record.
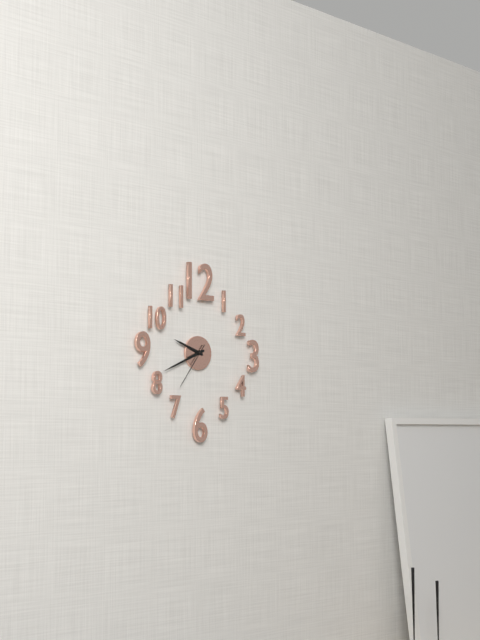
9:41
